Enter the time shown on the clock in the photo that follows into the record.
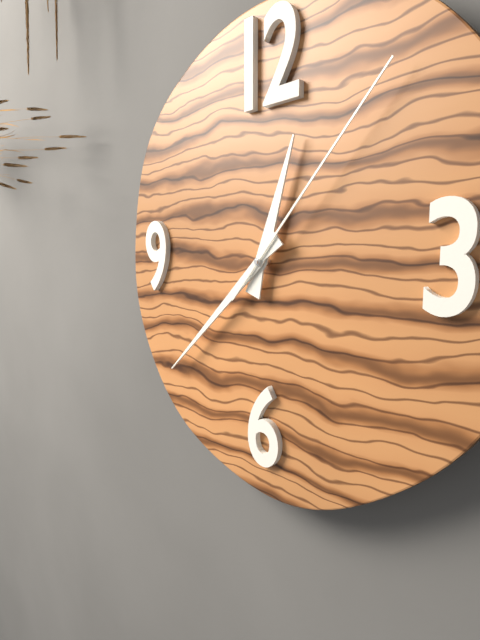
12:38:07
